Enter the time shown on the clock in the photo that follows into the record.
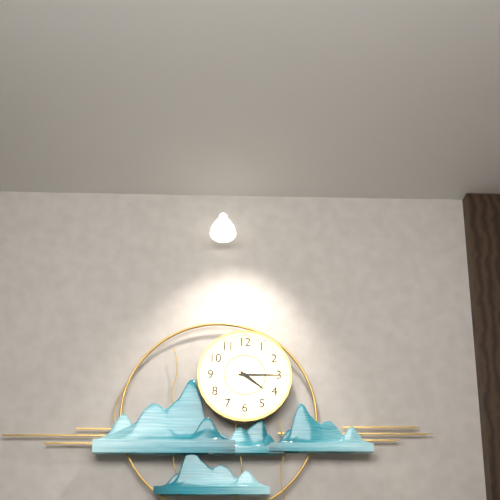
4:15
